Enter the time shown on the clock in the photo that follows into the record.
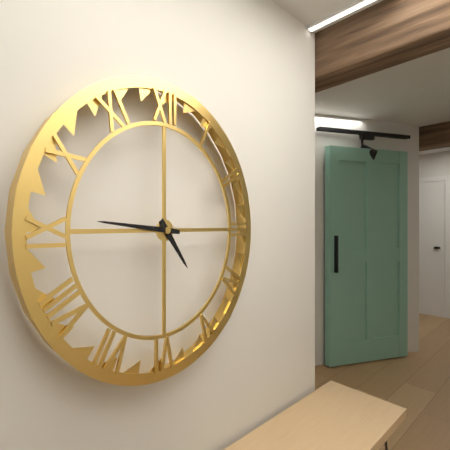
4:46
